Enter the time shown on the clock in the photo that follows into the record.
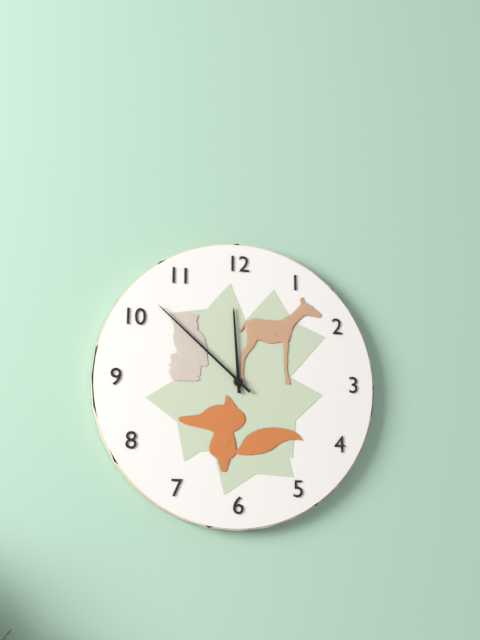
11:52
